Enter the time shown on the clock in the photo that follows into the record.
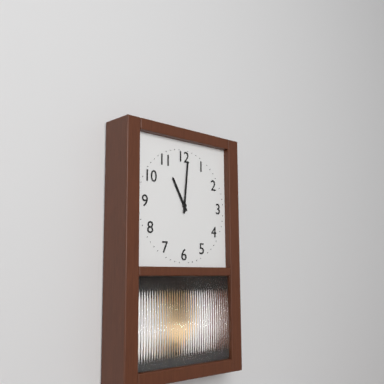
11:01
